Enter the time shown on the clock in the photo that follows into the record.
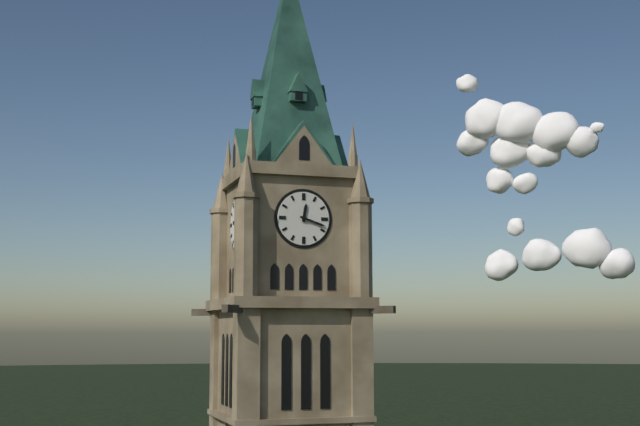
12:18
